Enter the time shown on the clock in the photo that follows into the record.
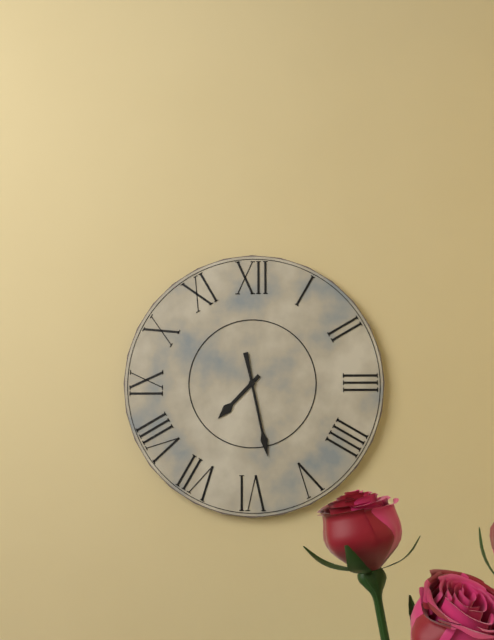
7:28
